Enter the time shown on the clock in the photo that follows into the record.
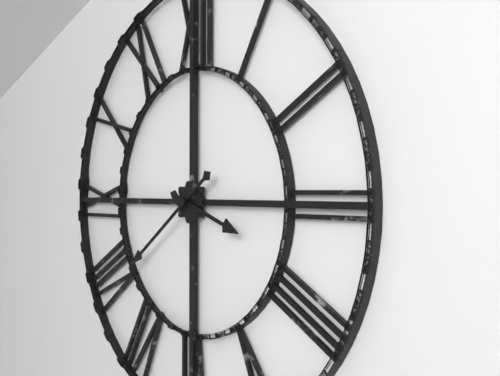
3:39
